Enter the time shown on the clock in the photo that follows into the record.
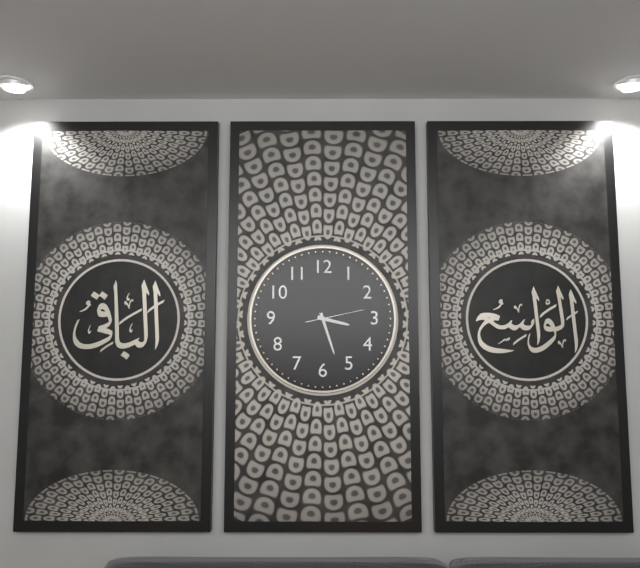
3:27:13
